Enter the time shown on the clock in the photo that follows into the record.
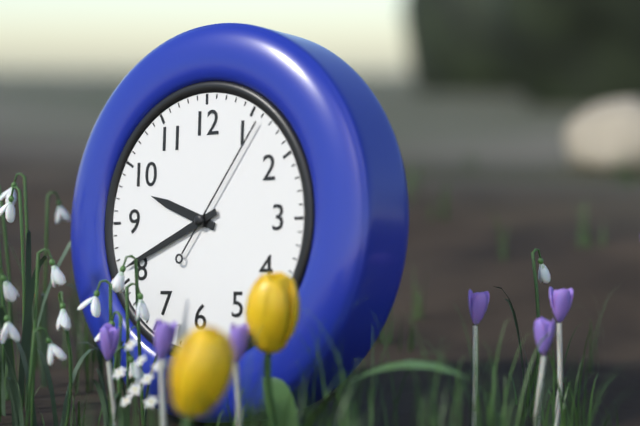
9:41:06
